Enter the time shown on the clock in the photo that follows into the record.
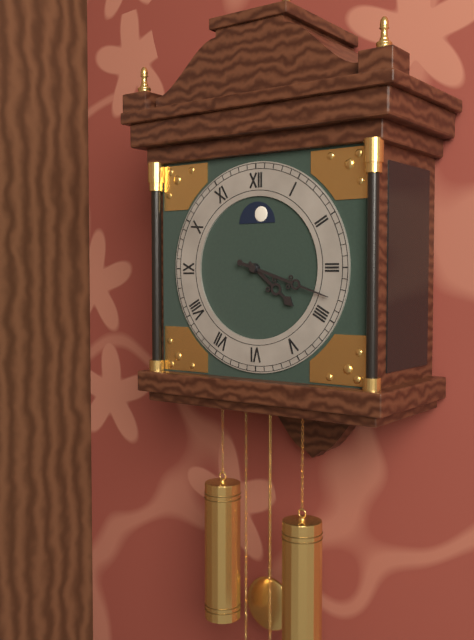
4:18
